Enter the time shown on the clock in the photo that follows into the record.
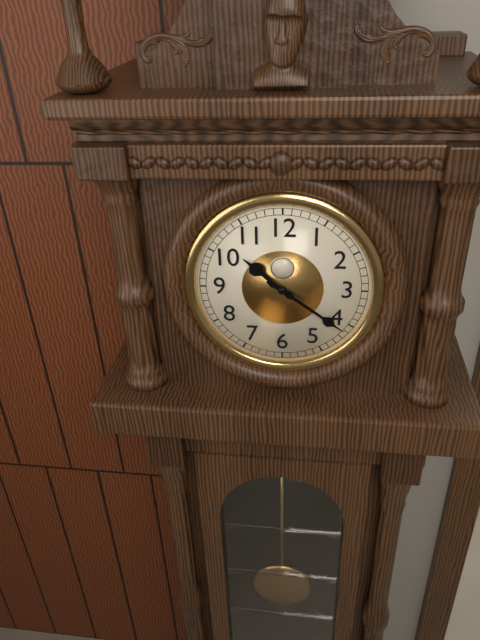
10:21
